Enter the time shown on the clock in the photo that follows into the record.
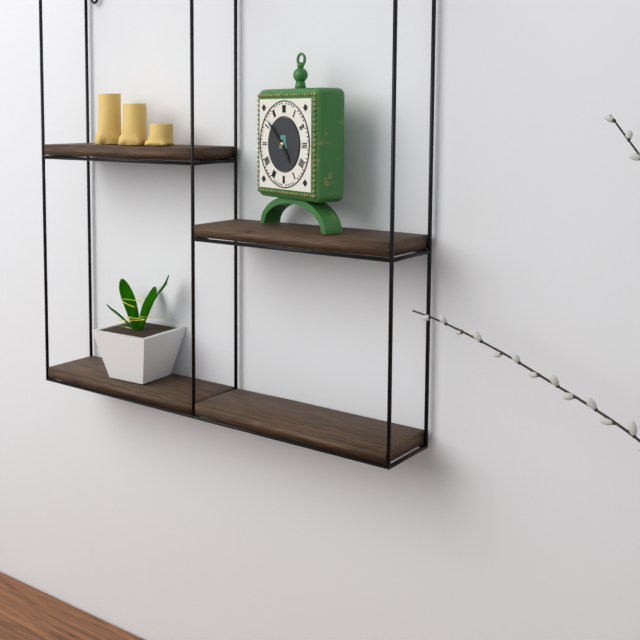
4:52
